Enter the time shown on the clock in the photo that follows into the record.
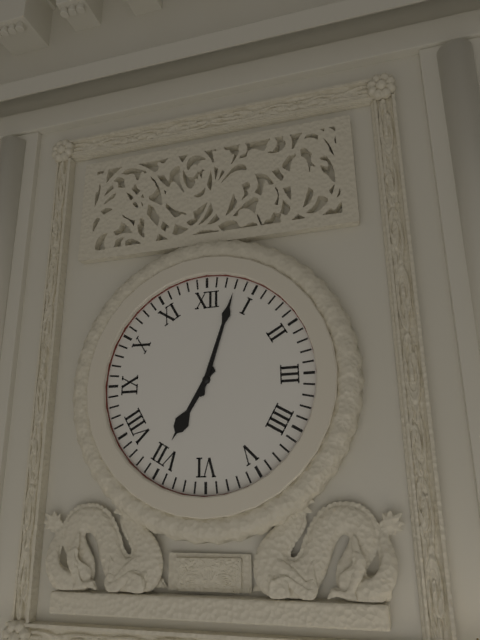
7:03
